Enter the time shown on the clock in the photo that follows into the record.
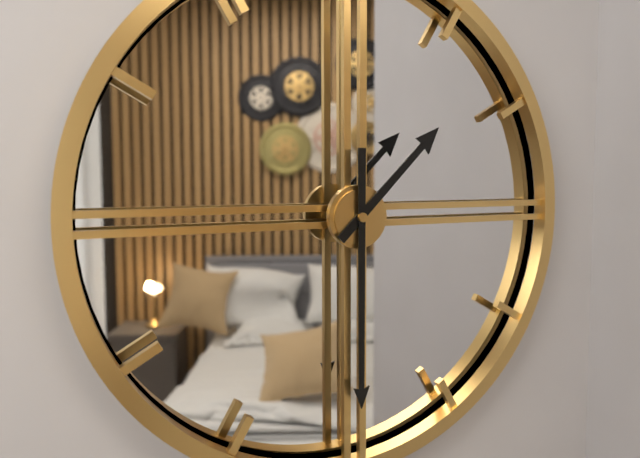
1:30
